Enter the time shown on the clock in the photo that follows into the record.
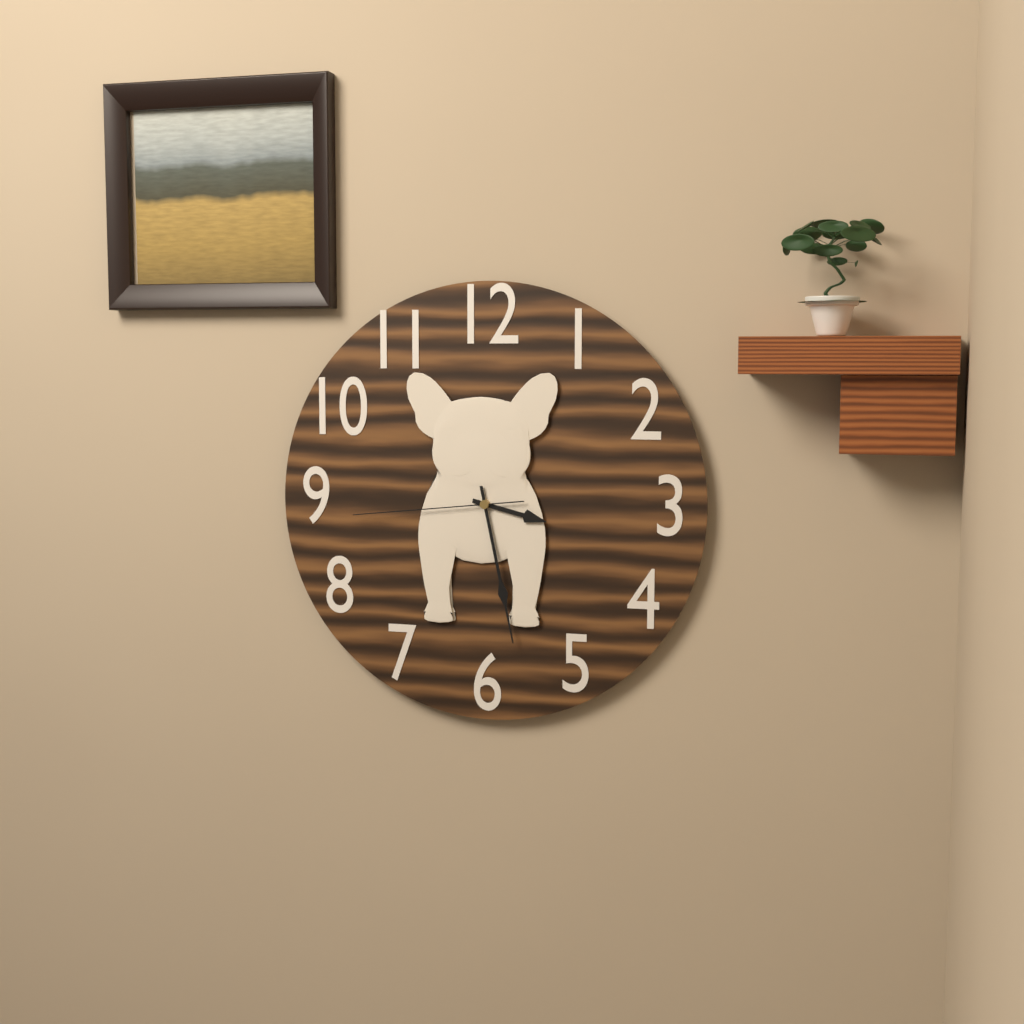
3:28:44
